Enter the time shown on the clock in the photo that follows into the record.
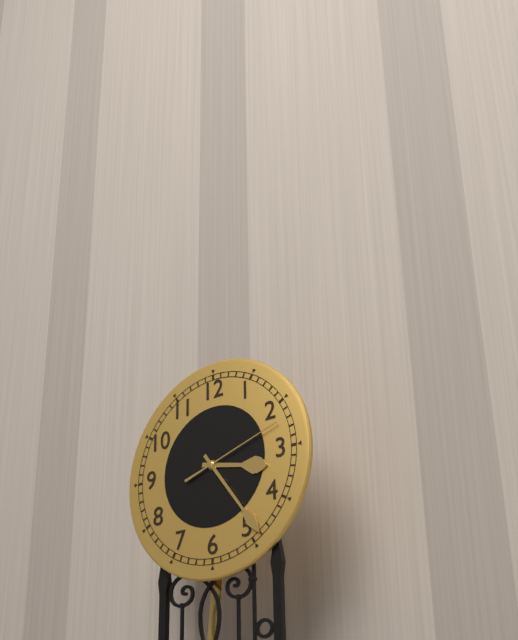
3:24:12
